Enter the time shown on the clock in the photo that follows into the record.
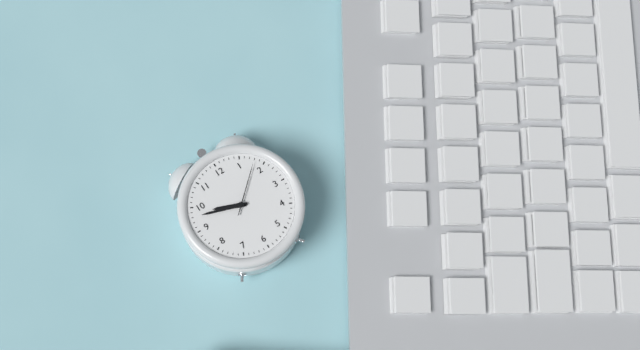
9:48:08
